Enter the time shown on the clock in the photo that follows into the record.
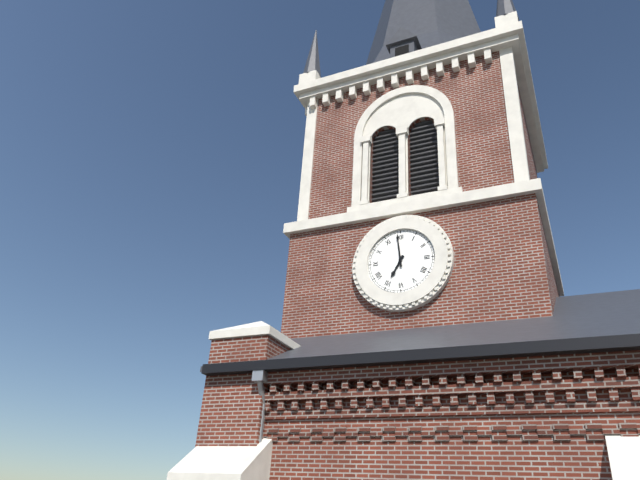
6:59
